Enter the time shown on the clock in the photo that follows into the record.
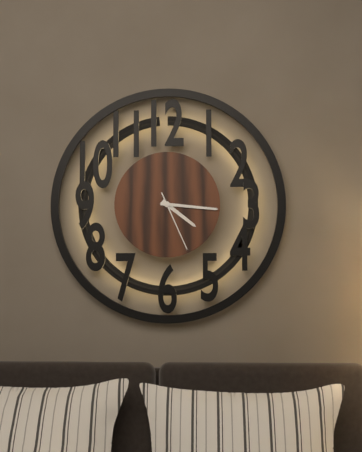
4:16:26
